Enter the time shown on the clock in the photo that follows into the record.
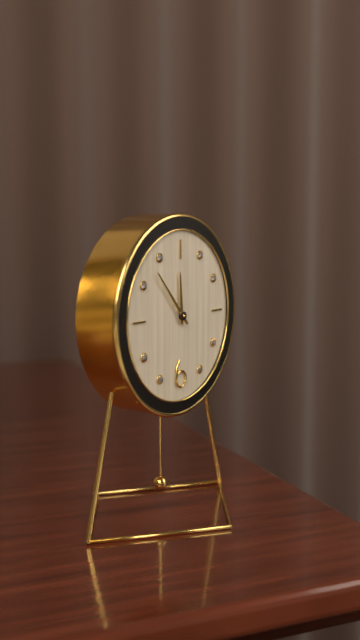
11:53
